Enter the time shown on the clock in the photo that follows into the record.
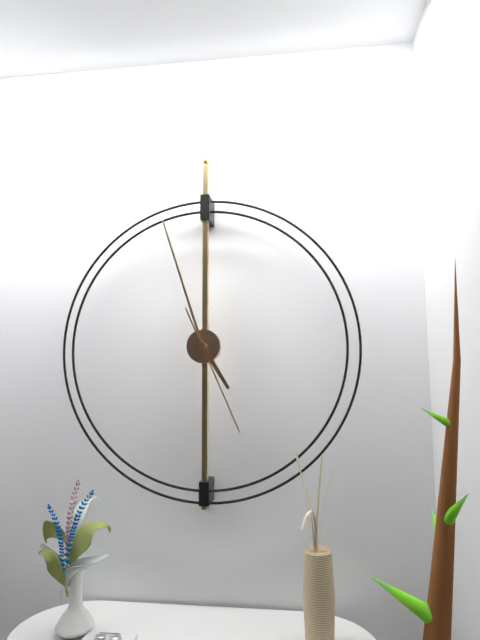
4:57:26
